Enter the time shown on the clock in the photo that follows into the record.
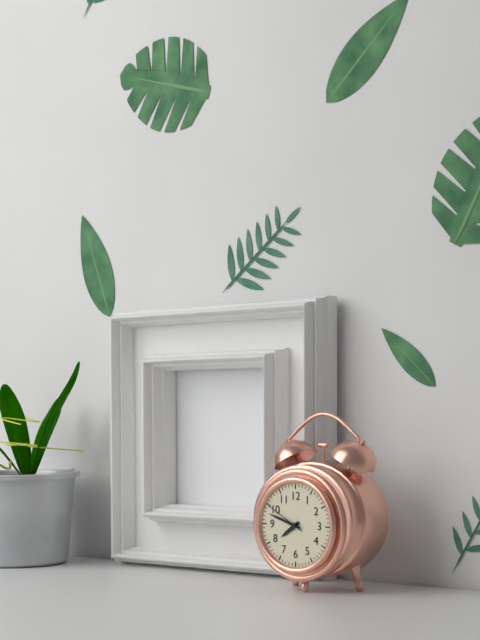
7:48
